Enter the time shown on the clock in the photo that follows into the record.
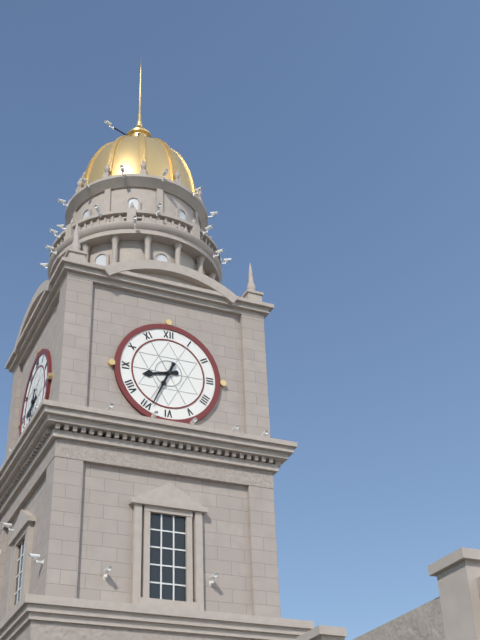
8:34
